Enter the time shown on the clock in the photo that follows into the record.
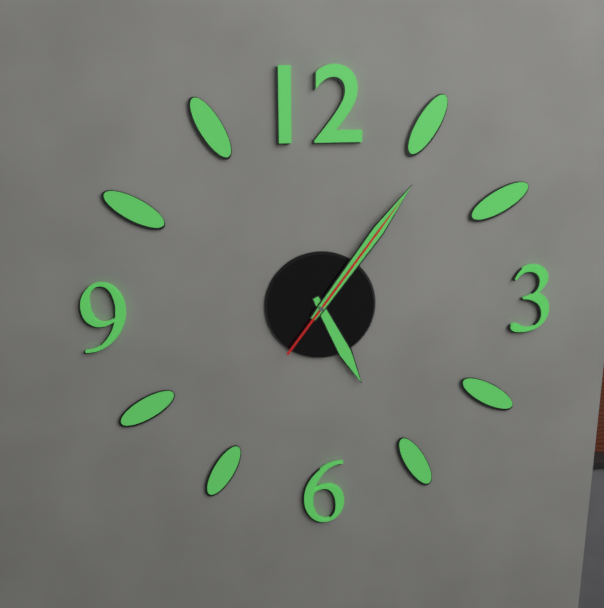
5:06:06
